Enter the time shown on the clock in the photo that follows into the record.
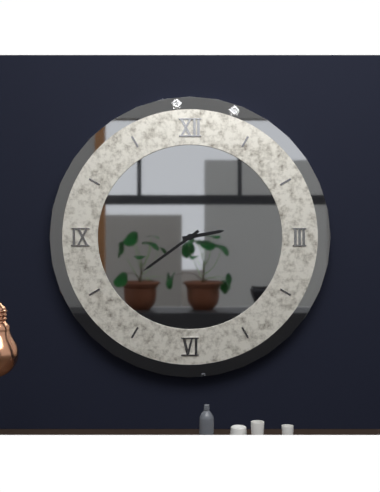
2:39
